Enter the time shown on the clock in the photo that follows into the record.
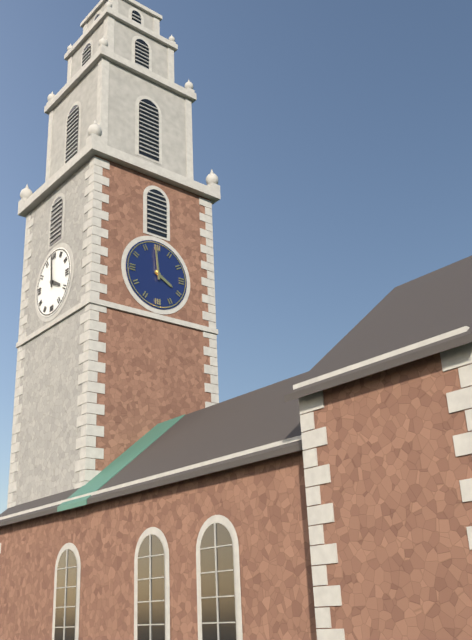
3:59
